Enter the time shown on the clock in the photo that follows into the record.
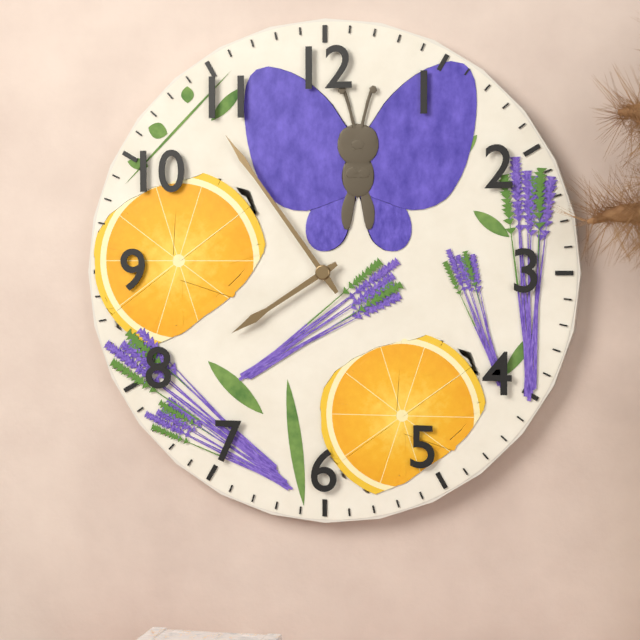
7:54
